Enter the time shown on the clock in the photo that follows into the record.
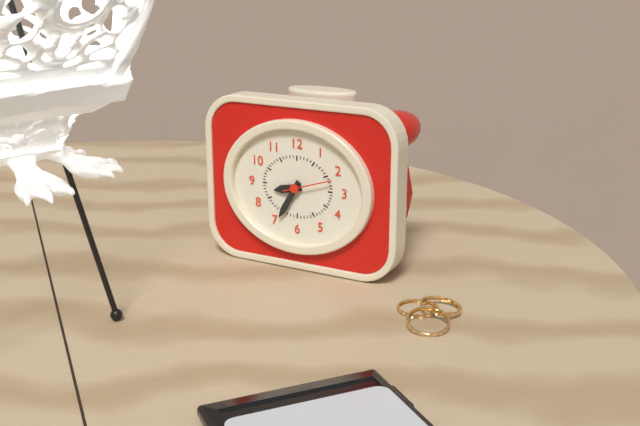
8:35
